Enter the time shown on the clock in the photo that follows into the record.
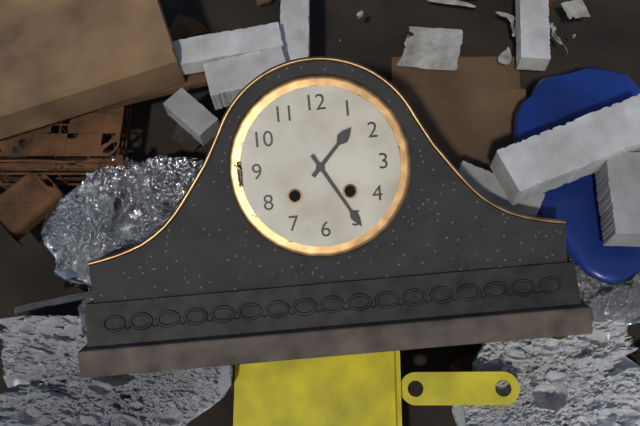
1:25
